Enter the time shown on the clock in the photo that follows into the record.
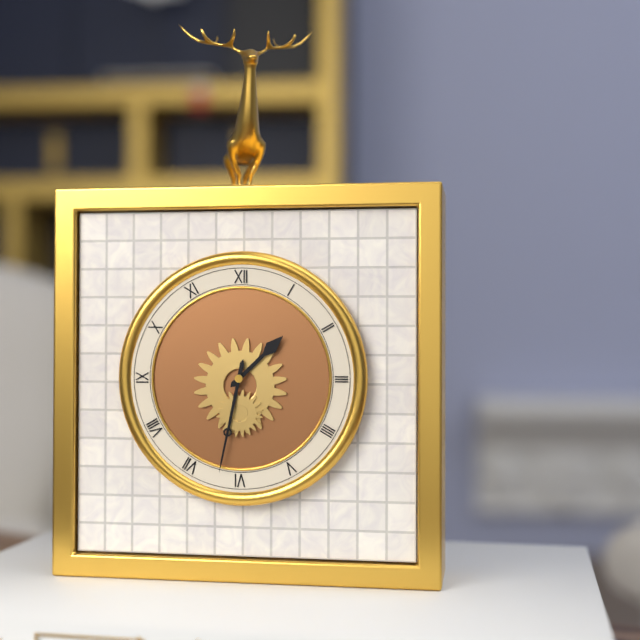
1:32
